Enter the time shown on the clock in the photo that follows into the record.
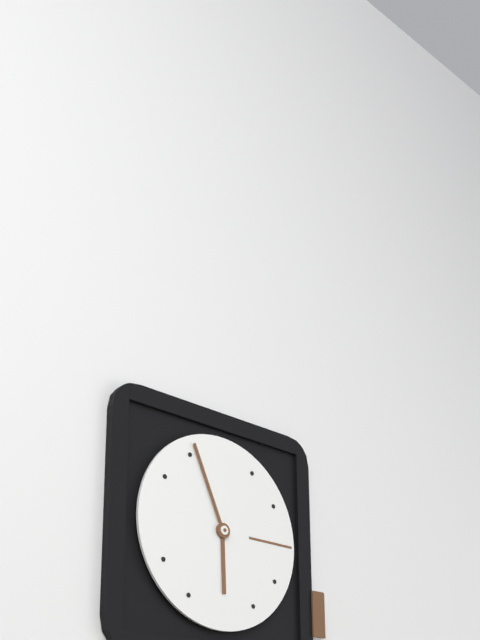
5:56
